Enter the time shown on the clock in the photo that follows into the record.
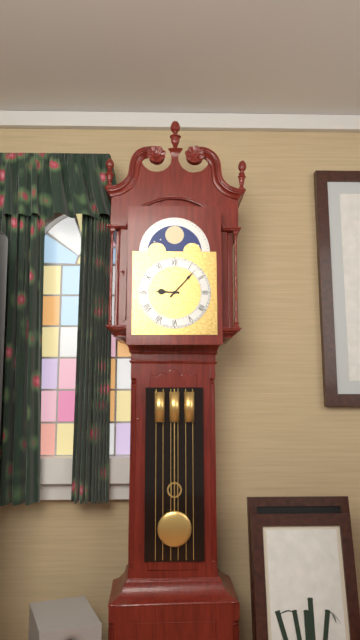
9:07
